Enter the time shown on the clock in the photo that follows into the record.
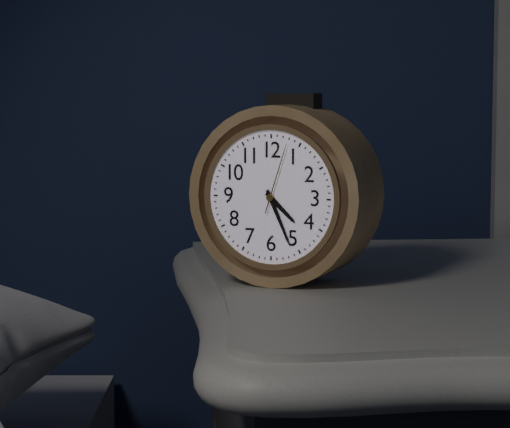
4:26:03
